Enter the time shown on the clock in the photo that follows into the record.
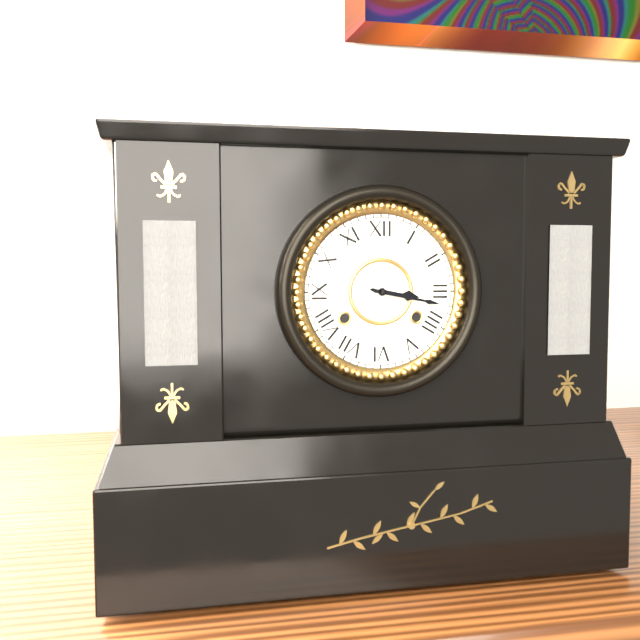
3:17
